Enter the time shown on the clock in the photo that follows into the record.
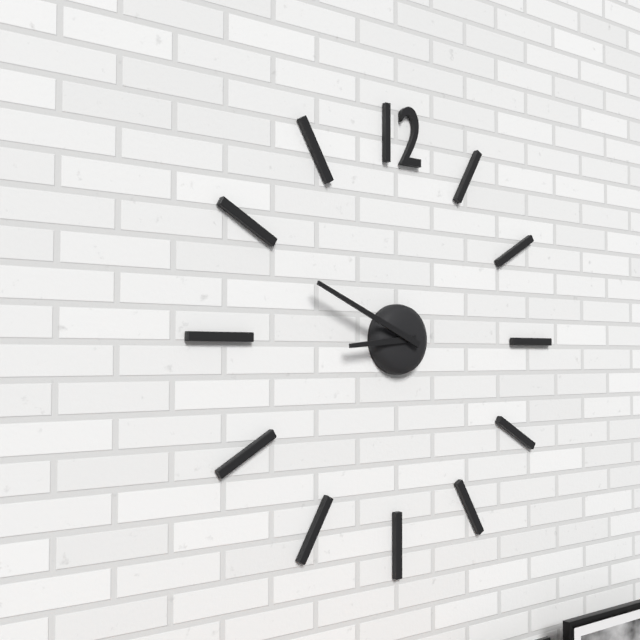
8:49
